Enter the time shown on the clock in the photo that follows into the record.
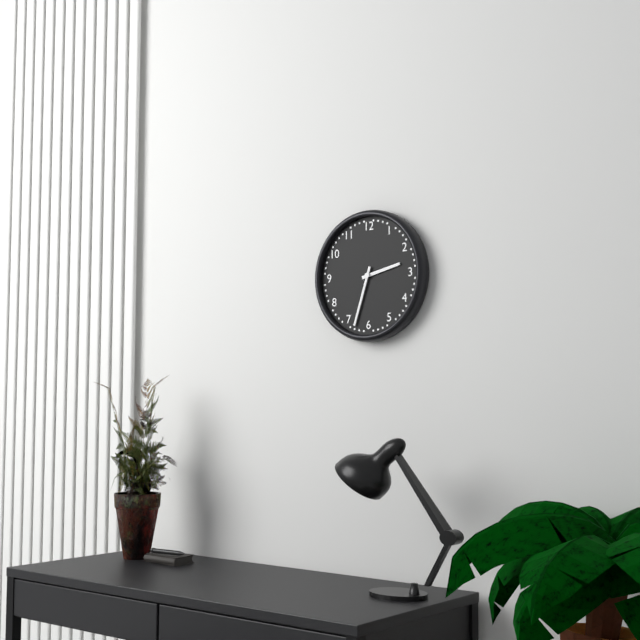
2:33
